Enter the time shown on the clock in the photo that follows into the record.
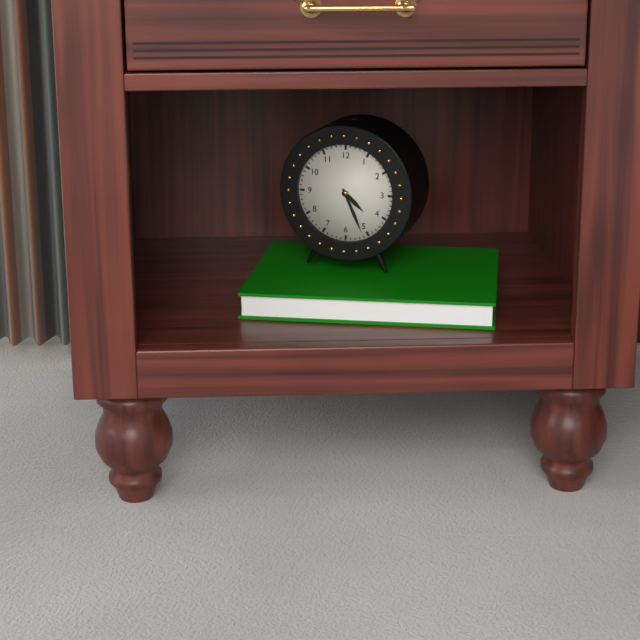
4:26
